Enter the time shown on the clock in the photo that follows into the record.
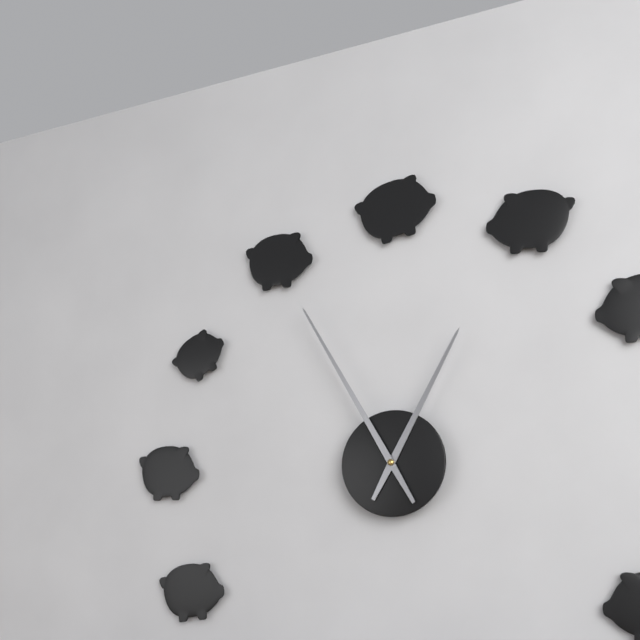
12:55
